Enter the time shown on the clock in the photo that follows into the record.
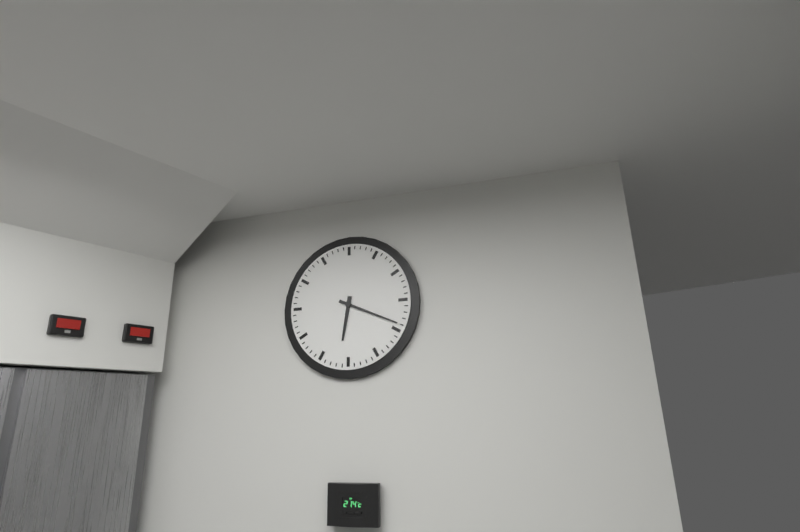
6:19
